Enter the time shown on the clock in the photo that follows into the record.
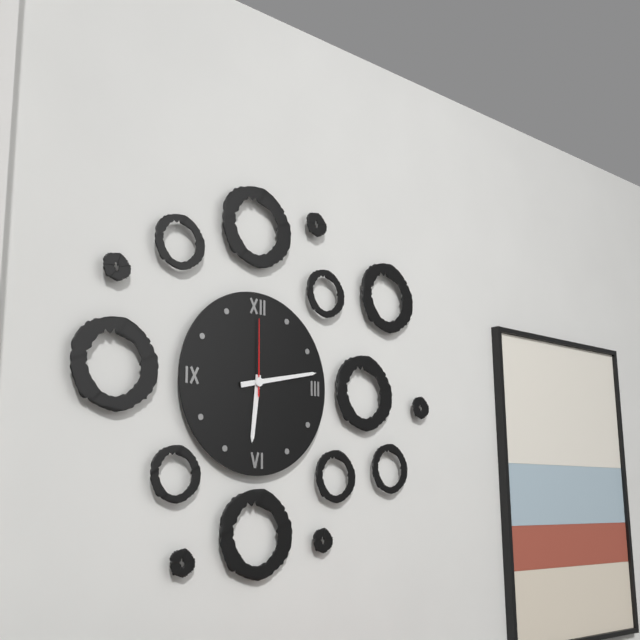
6:13:00
